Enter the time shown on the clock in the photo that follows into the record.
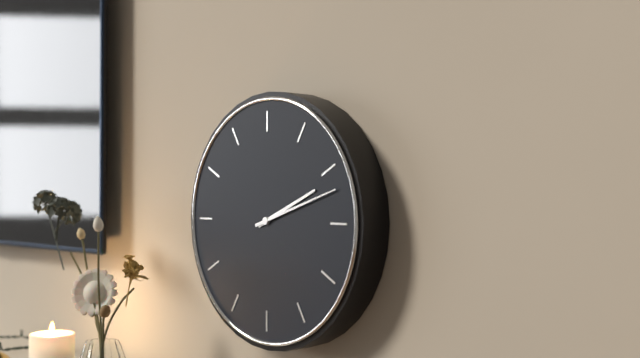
2:12
